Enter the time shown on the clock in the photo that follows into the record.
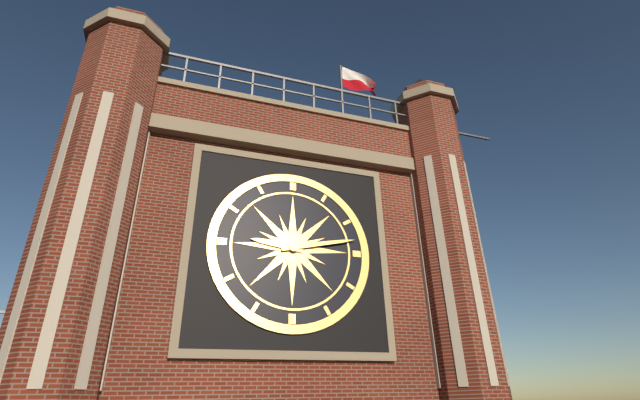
9:13
